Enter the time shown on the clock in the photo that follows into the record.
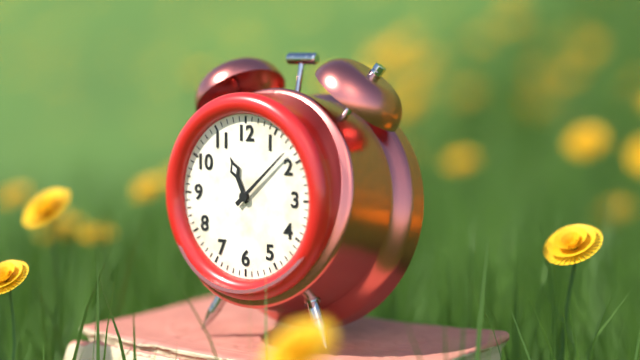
11:08
